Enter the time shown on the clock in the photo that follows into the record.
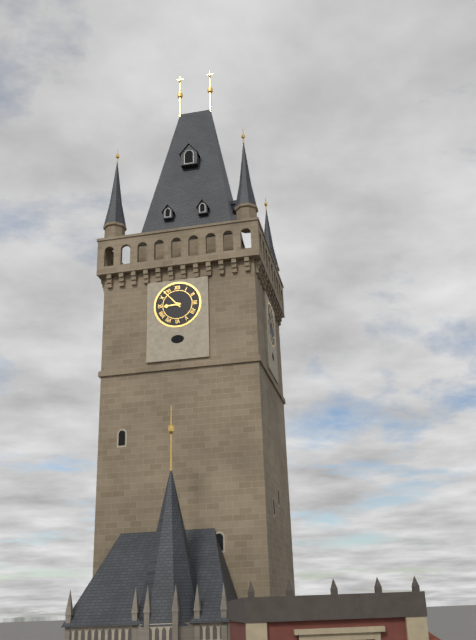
8:53
